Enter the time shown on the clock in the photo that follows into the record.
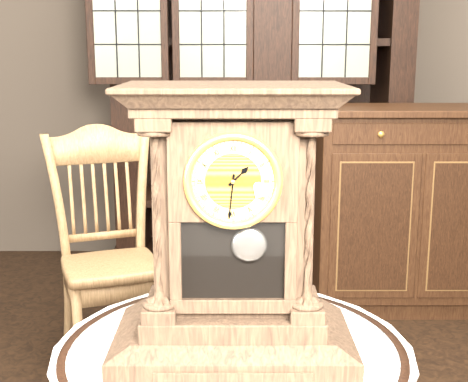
1:31
